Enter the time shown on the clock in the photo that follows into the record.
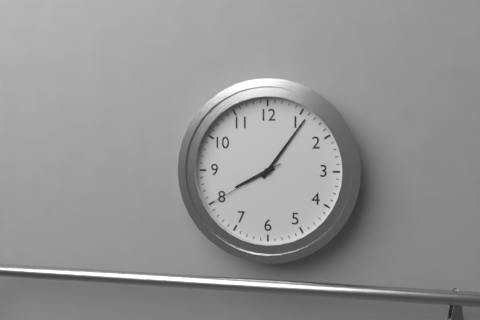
8:06:40
